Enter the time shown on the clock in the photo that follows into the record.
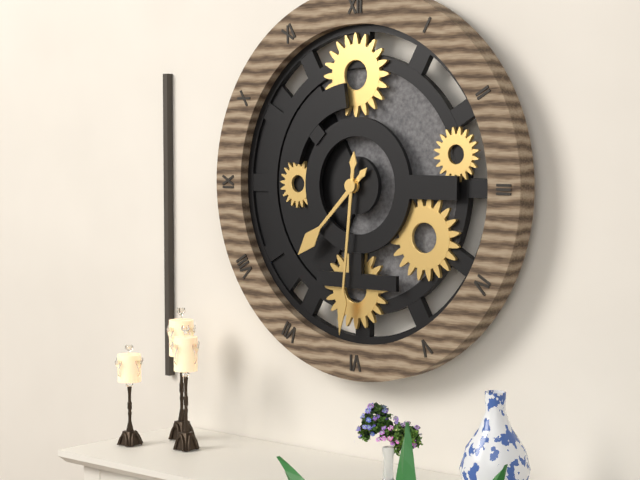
7:31
